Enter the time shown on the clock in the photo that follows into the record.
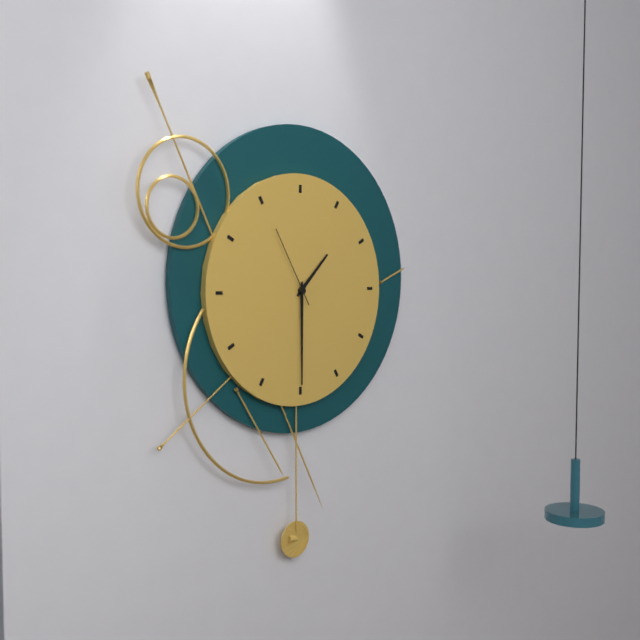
1:30:55
